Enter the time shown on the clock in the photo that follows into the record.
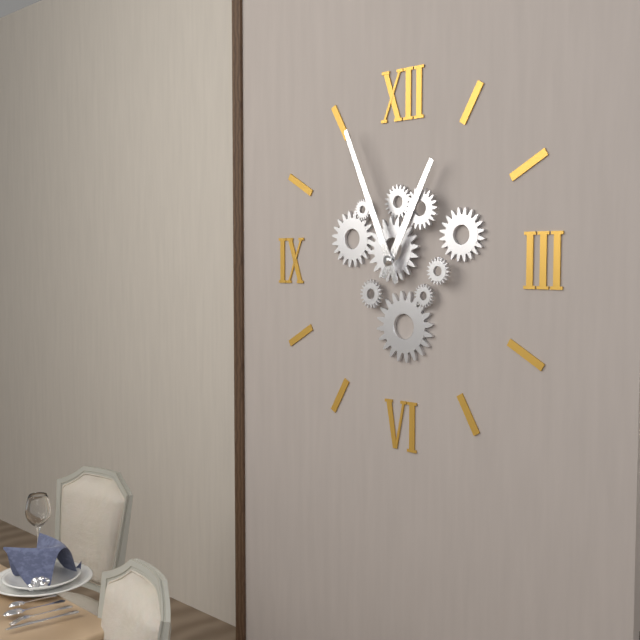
12:56
